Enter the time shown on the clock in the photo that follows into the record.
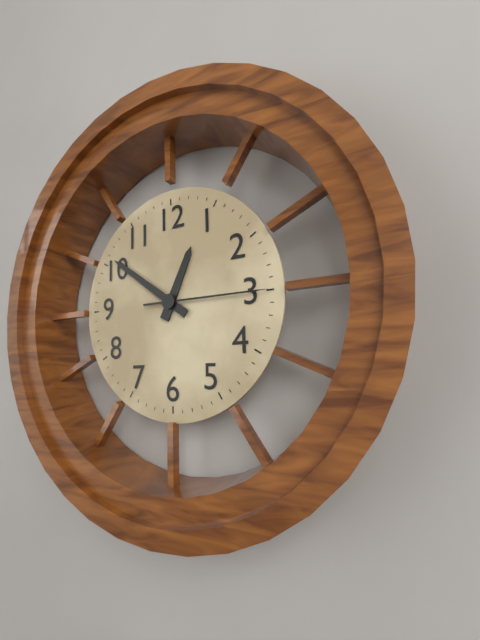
12:51:15
